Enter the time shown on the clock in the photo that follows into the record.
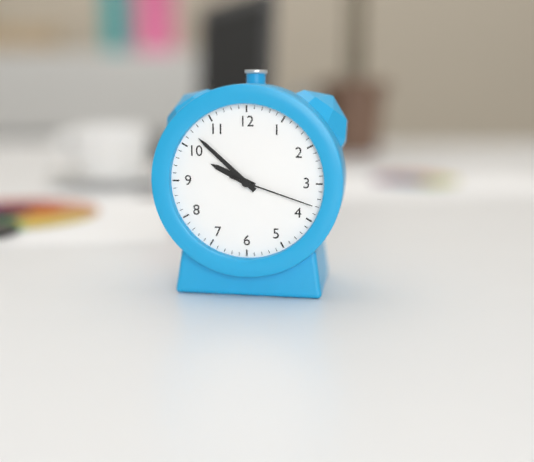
9:52:18
